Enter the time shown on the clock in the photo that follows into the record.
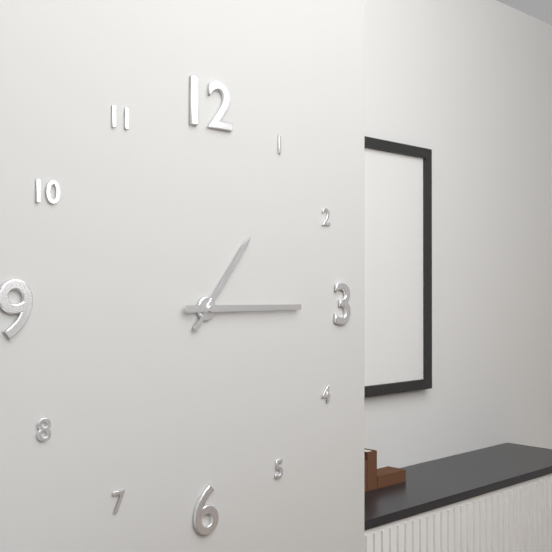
1:15
